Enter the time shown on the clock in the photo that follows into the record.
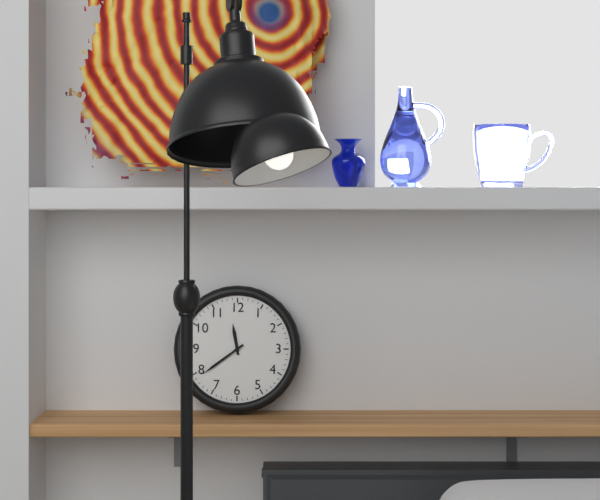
11:39
